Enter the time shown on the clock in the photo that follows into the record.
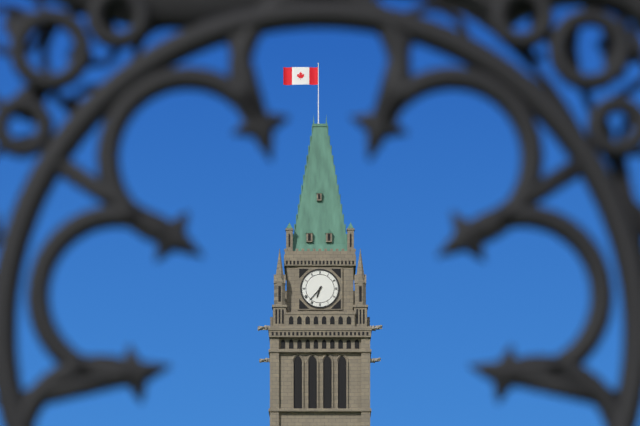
6:37
